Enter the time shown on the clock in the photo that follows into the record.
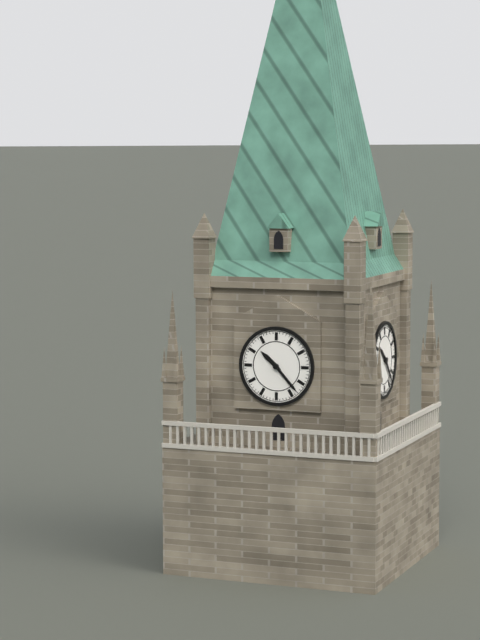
10:23
